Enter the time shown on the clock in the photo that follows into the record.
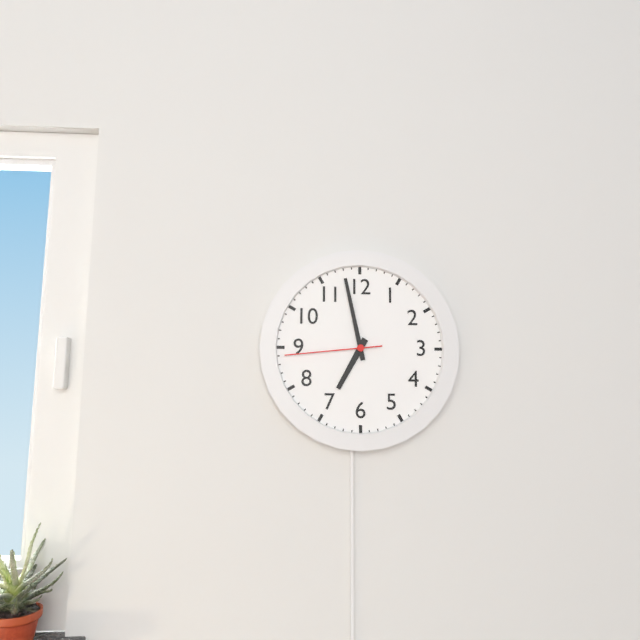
6:58:44
